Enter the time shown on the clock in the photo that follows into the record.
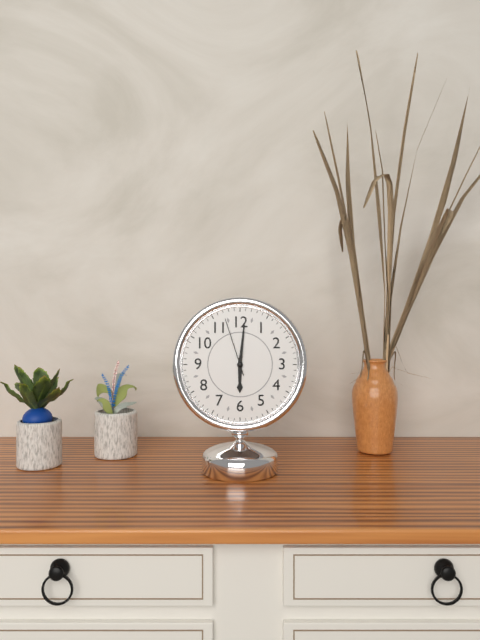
6:01:57
